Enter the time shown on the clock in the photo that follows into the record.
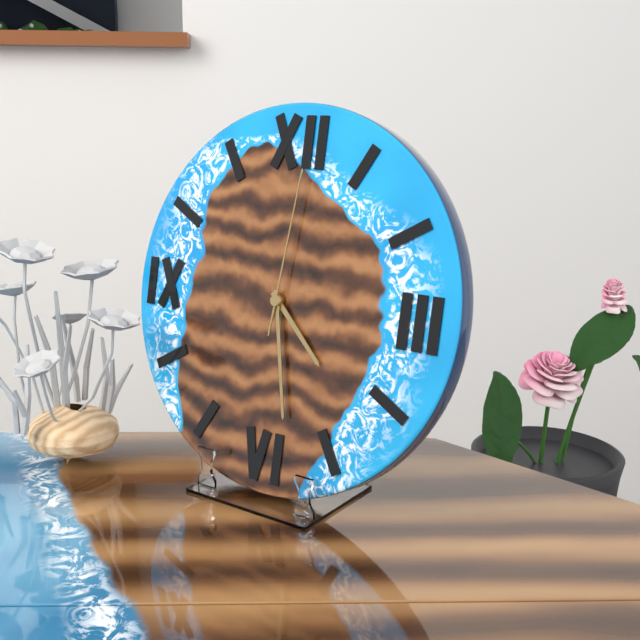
4:28:01
